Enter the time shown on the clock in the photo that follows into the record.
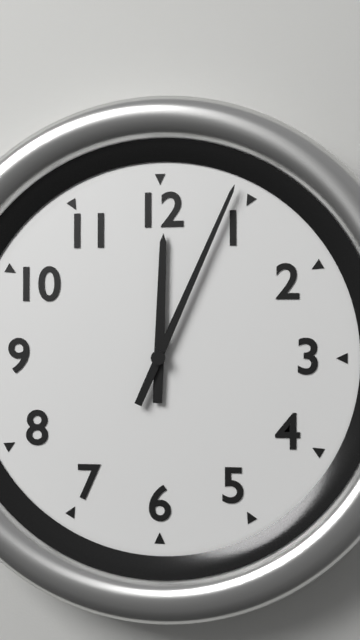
12:04
